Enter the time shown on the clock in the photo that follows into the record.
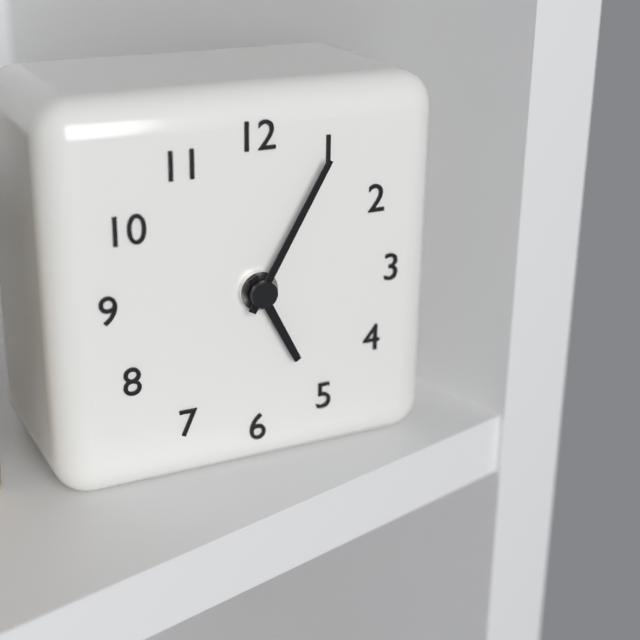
5:05
